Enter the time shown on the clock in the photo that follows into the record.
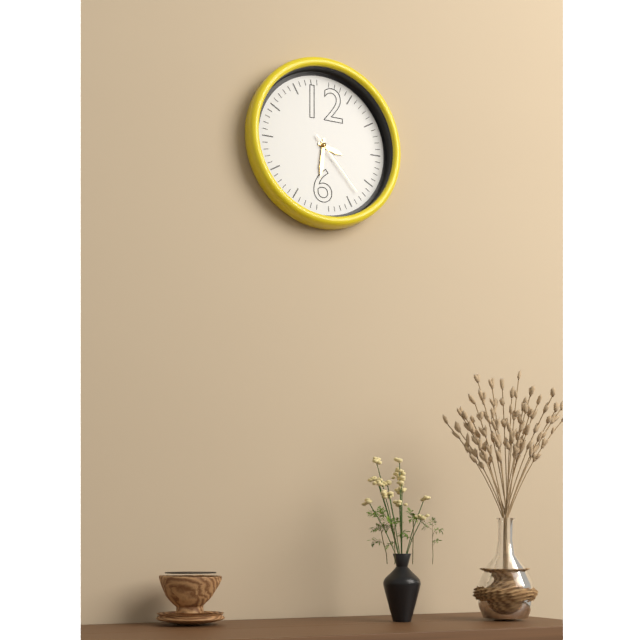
3:31:23
